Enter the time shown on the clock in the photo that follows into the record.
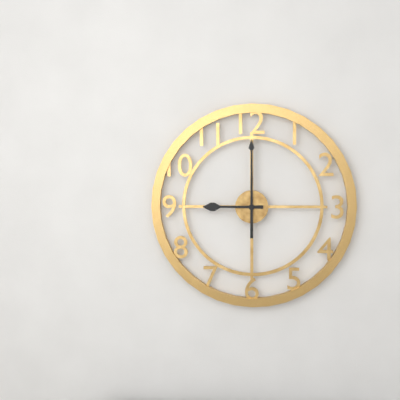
9:00
